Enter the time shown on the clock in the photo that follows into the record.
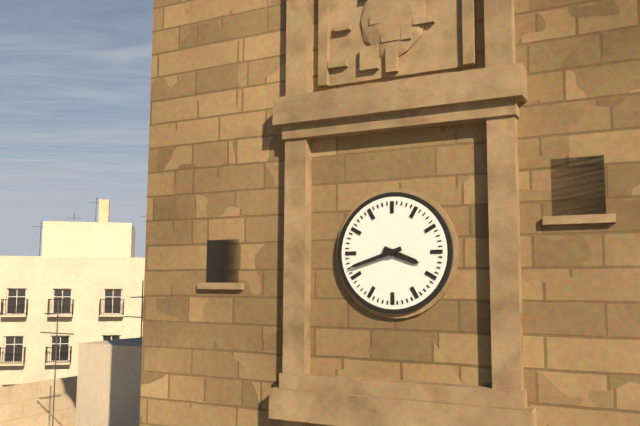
3:42
